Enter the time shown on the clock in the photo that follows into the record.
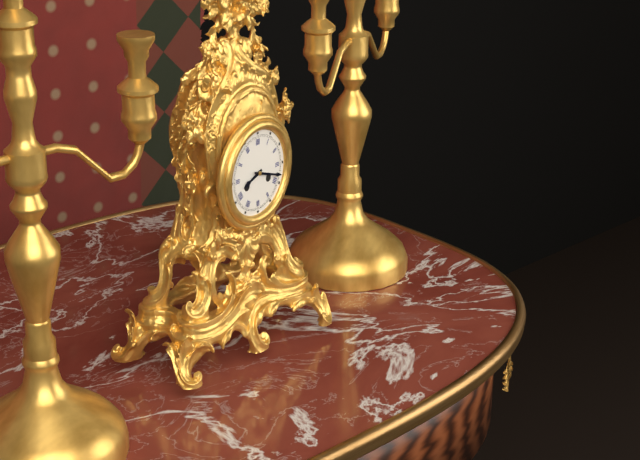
8:18
